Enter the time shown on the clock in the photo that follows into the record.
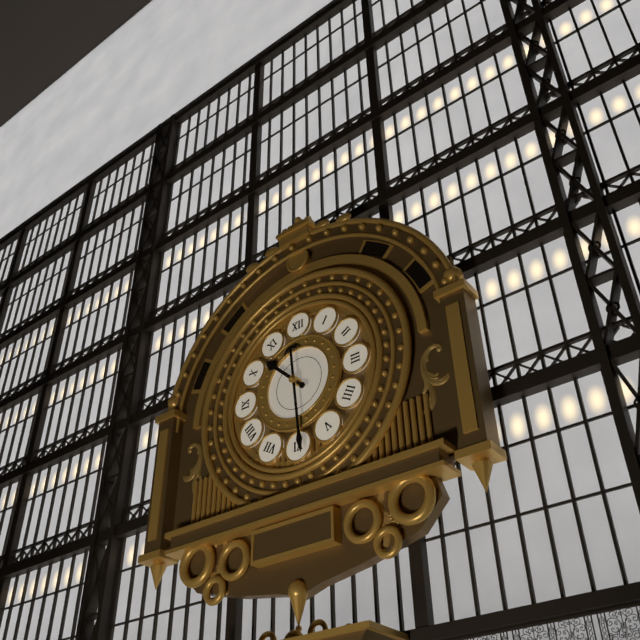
10:29
